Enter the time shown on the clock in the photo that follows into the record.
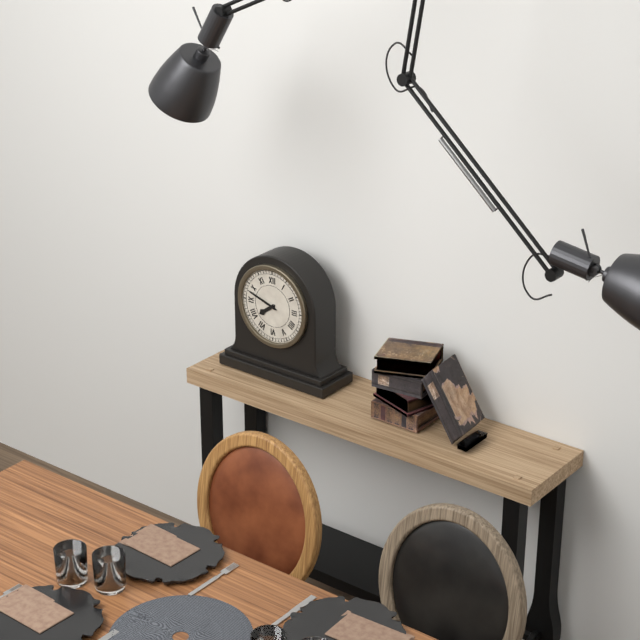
7:48
